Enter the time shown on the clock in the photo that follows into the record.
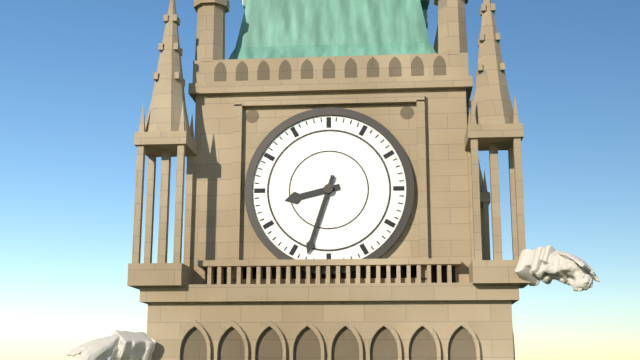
8:33
